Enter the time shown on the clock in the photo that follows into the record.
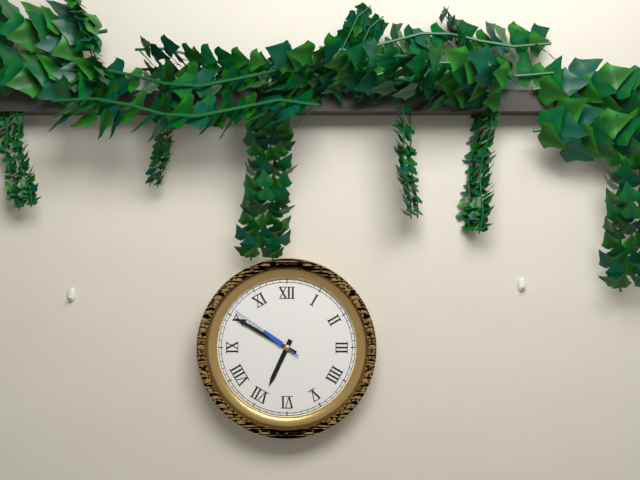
6:50:51
